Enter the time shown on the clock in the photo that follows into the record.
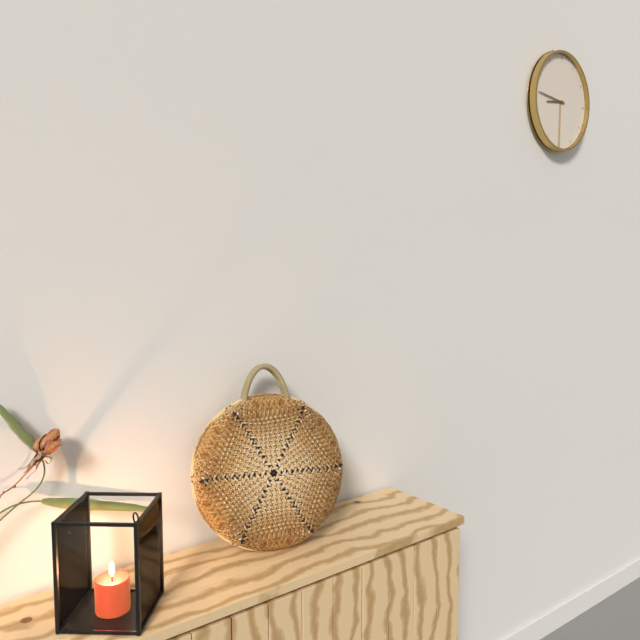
8:46
